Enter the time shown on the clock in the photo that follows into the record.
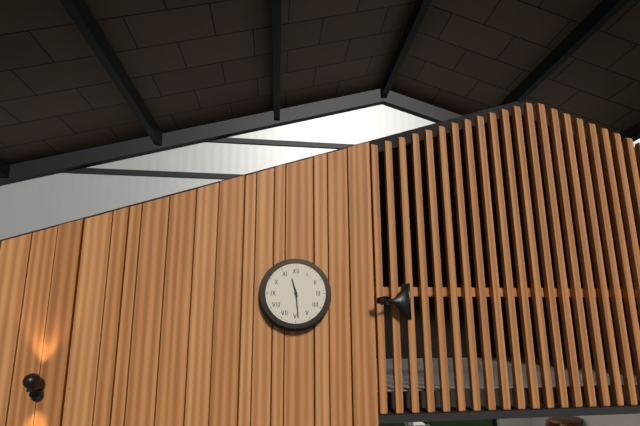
11:29
